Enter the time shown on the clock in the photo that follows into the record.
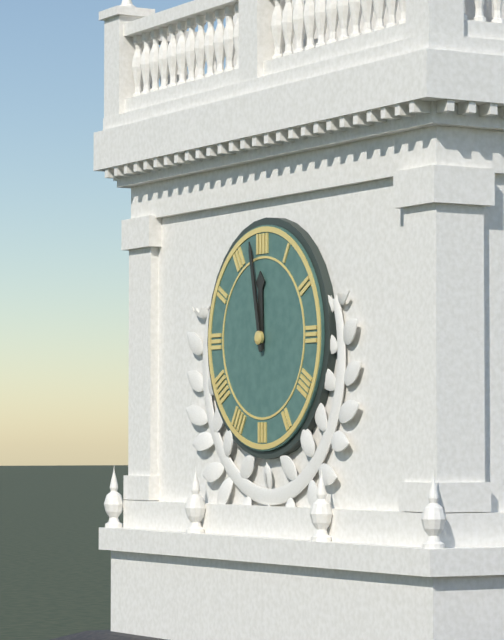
11:58
